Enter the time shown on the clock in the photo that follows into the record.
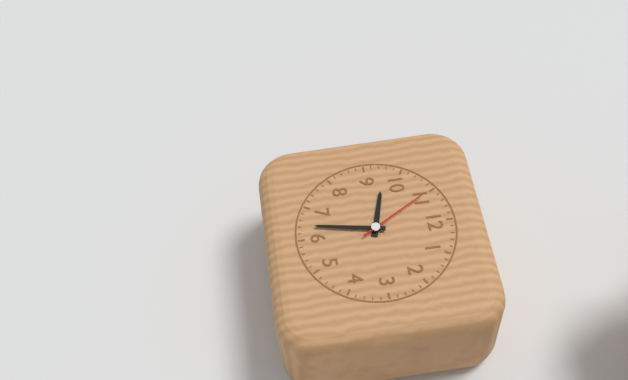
9:32:55
